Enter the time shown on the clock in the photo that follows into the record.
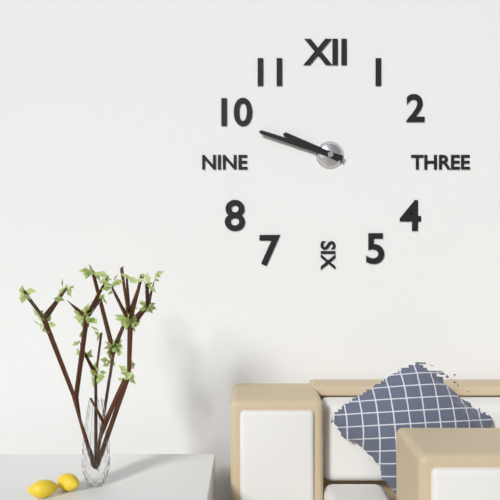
9:48
